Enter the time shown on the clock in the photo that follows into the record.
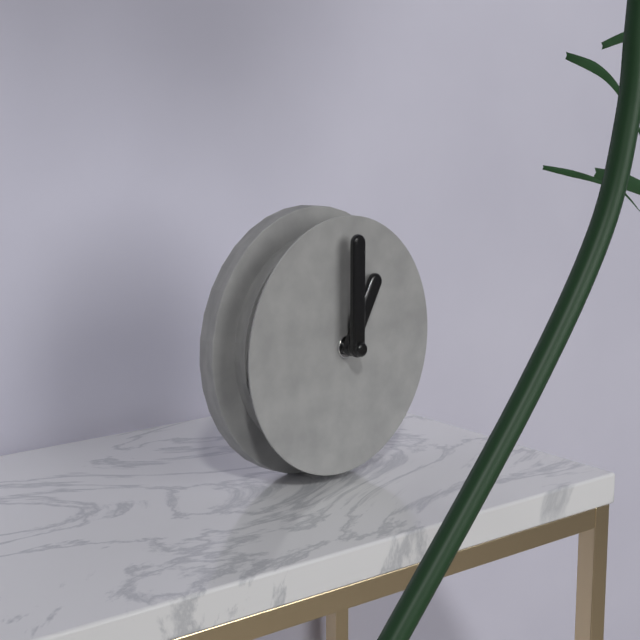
1:00
